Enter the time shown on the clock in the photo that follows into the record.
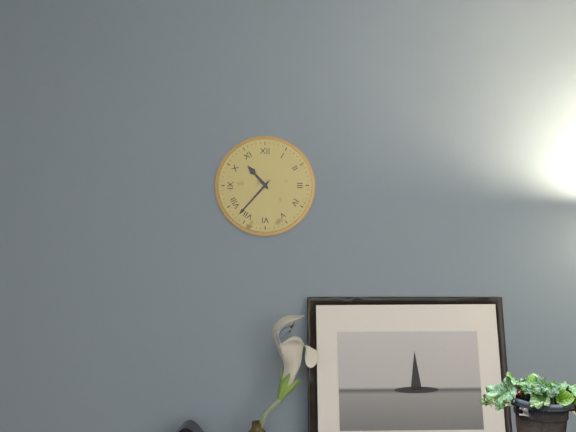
10:37
